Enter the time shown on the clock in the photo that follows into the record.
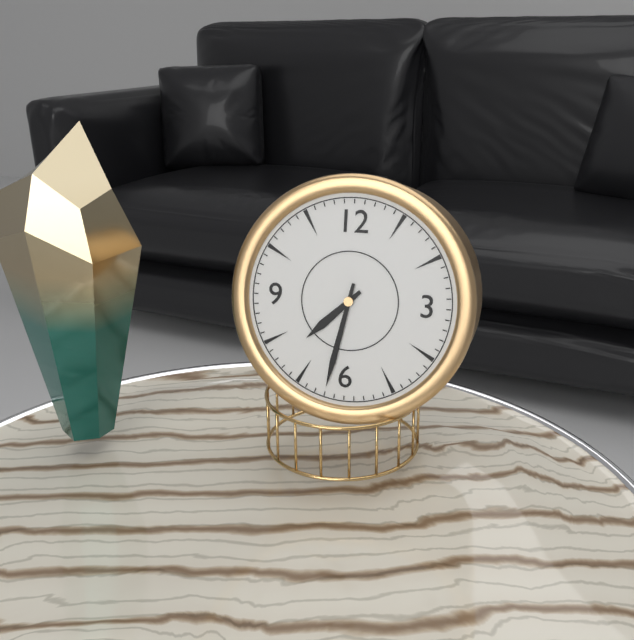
7:32
